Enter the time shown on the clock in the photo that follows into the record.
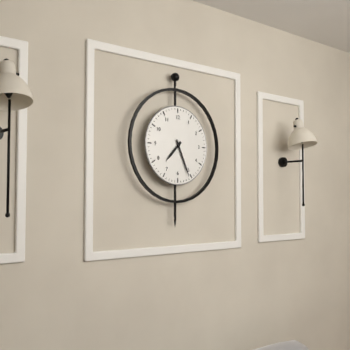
7:26
